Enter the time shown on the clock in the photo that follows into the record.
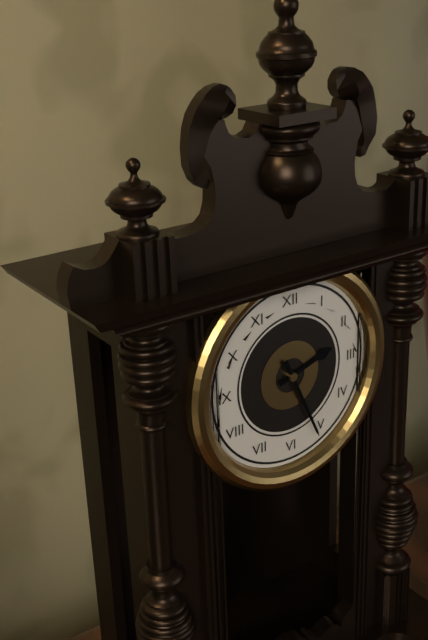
2:26
